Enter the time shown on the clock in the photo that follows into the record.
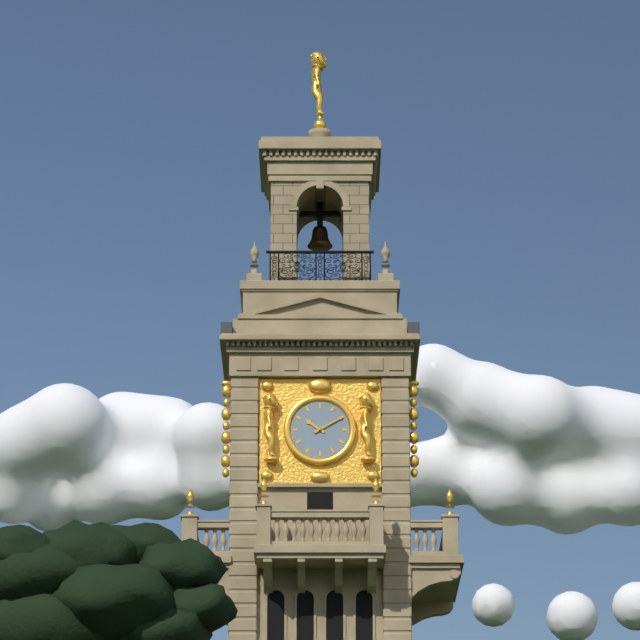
10:10
